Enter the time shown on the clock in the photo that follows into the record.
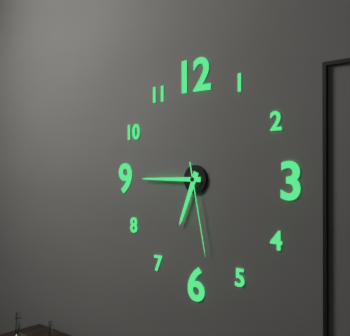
6:45:28
